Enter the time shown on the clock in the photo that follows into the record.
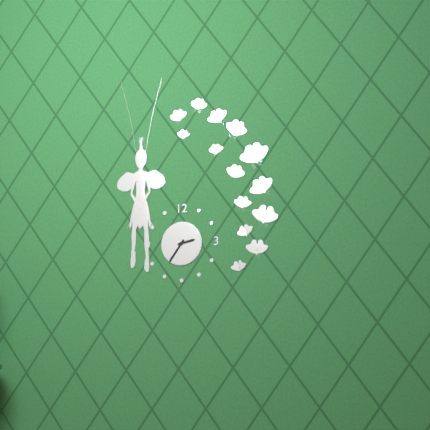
2:36
